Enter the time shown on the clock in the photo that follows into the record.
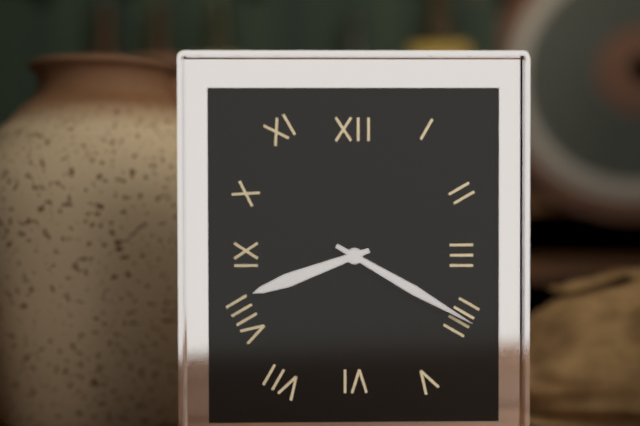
8:20
